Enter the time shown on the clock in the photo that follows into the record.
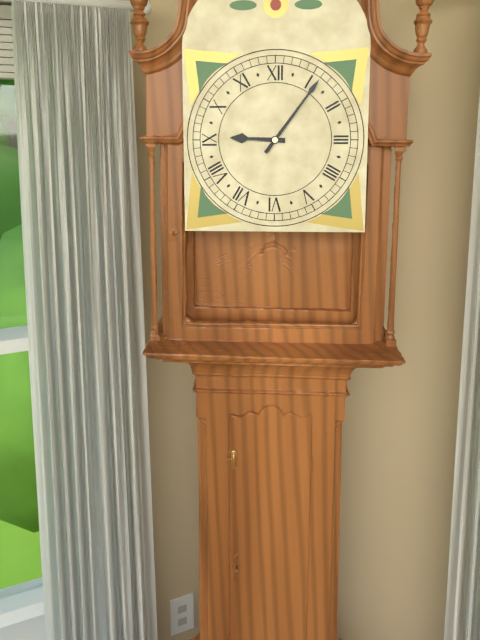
9:06
